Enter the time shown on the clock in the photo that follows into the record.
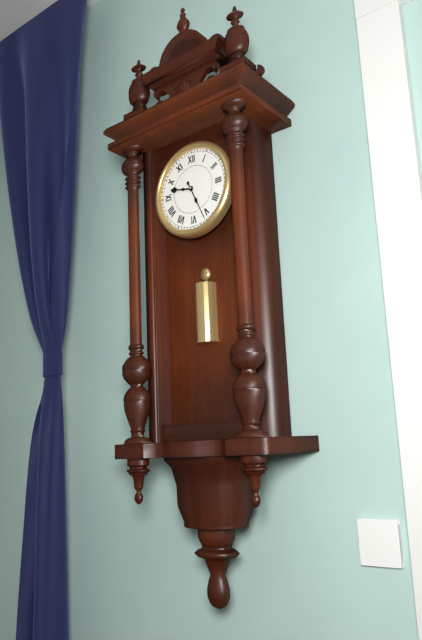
9:26
